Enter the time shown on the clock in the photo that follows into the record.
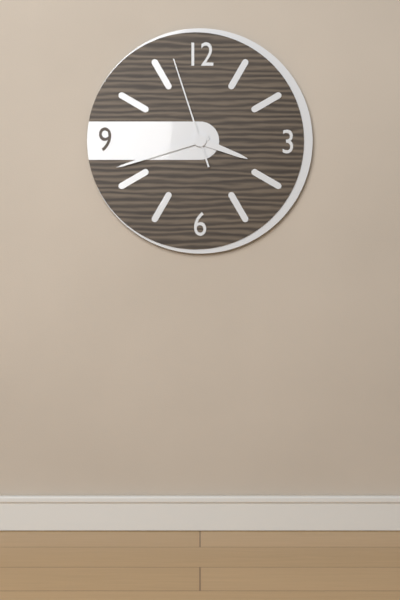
3:42:57
